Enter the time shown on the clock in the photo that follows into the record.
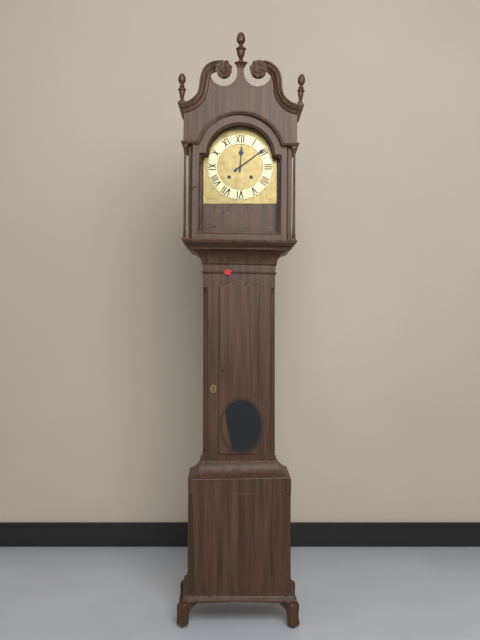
12:09
